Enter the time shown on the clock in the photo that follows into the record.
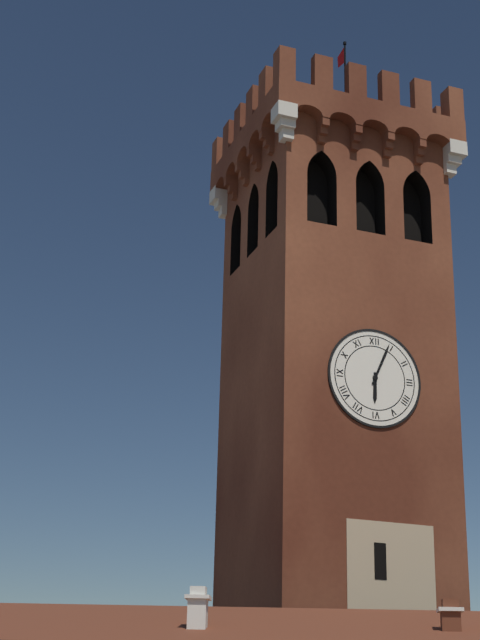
6:04
